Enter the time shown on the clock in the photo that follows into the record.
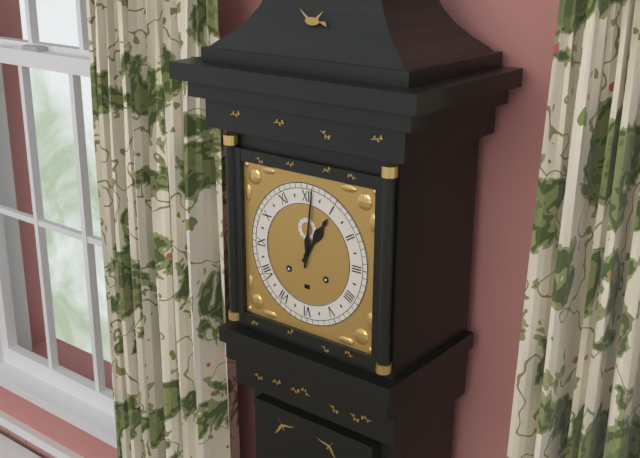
1:01
